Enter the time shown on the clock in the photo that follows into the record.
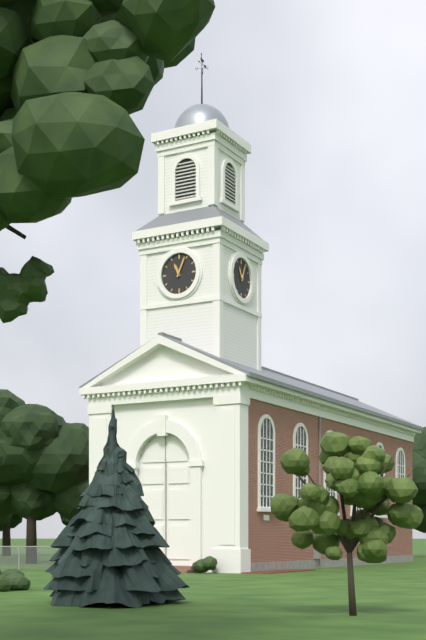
11:04
